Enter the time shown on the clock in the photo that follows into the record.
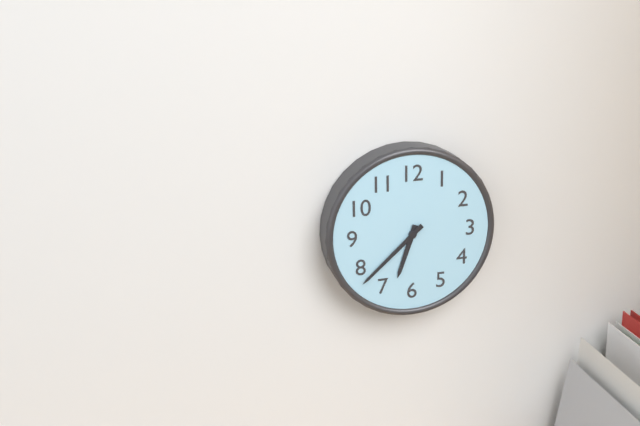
6:38
